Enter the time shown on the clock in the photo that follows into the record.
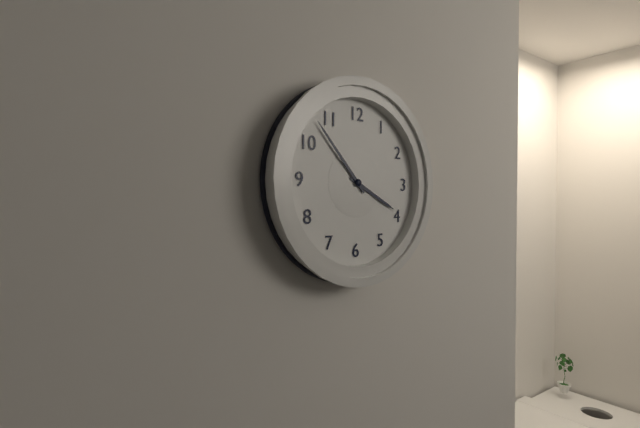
3:53
